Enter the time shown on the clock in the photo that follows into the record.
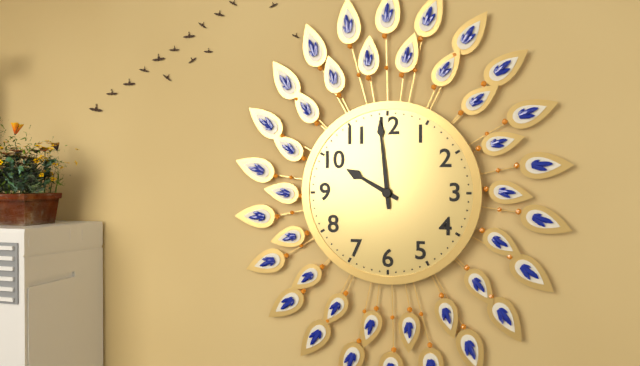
9:59
